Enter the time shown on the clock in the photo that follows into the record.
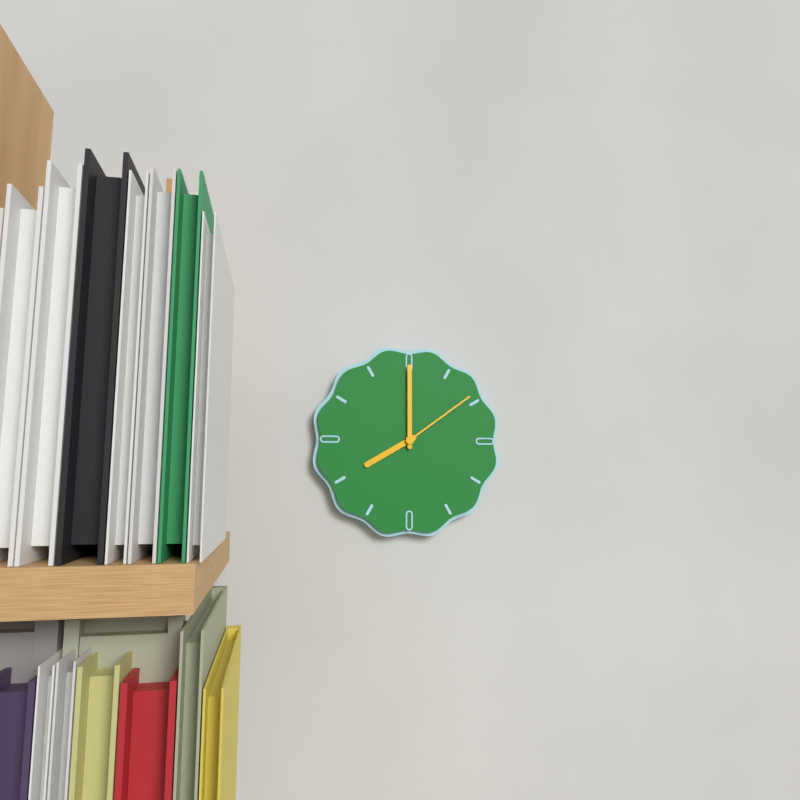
8:00:09
